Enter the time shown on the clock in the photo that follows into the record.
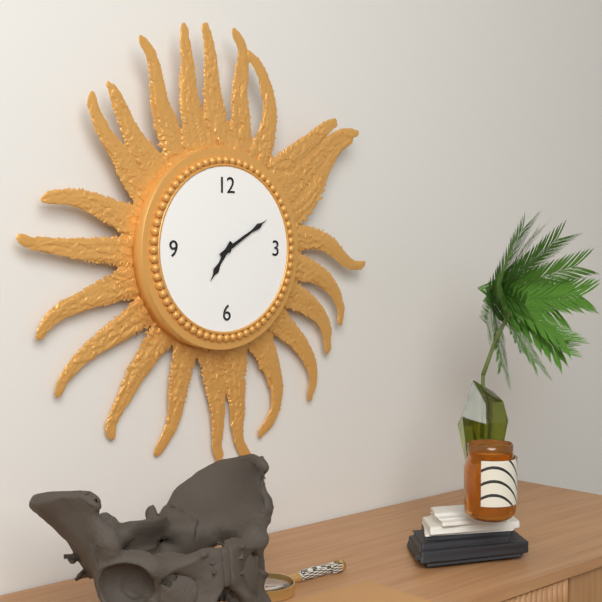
7:10
